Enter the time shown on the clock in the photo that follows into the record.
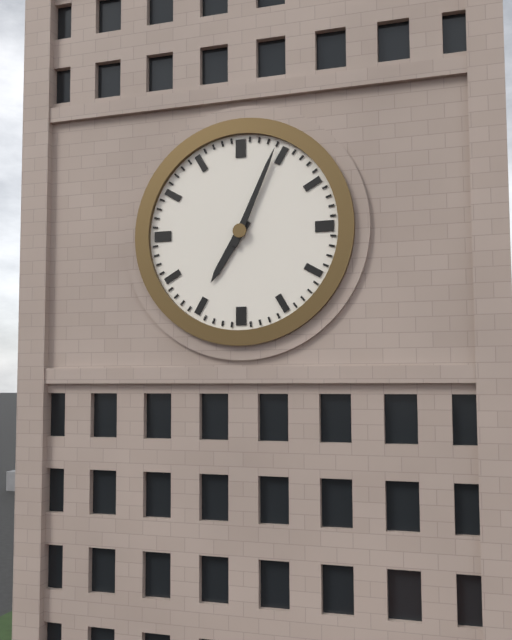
7:04
